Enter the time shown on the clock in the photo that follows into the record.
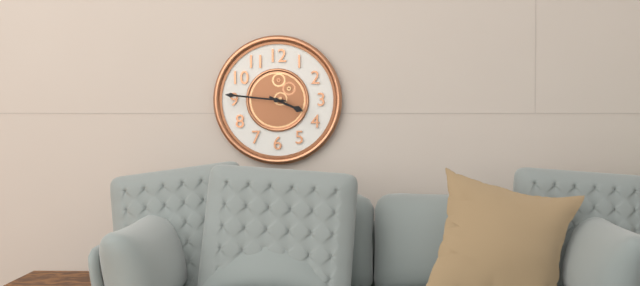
3:46
